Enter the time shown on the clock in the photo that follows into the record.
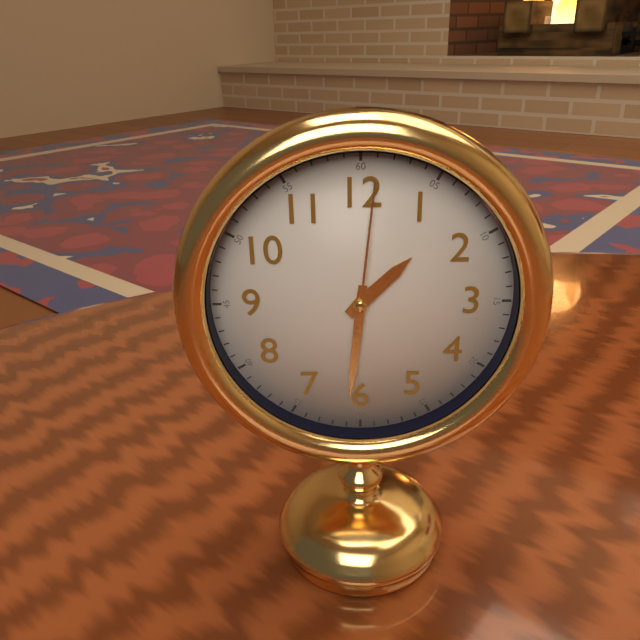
1:31:01
